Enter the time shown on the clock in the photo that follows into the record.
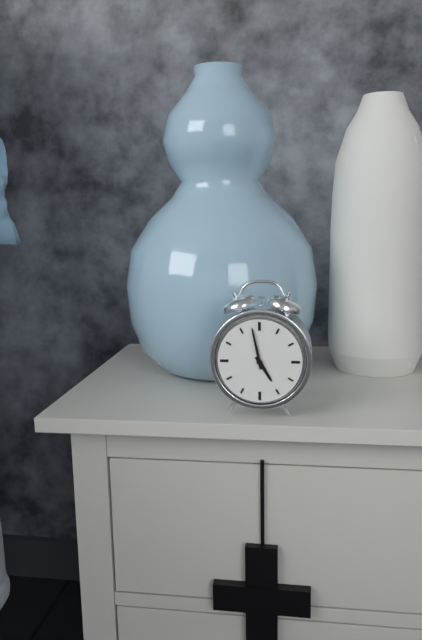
4:58
